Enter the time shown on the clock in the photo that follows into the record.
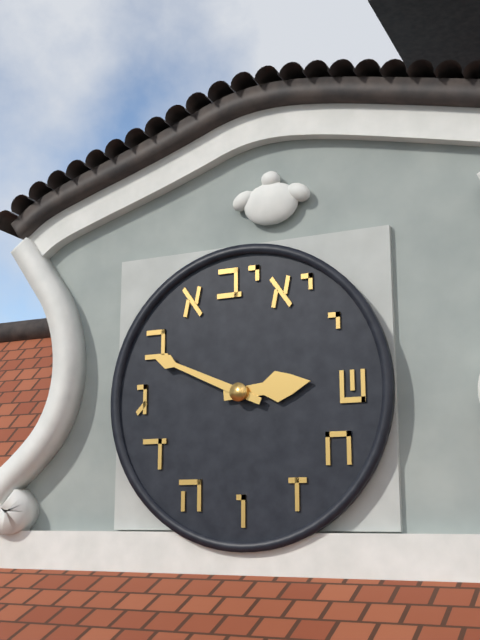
2:49
